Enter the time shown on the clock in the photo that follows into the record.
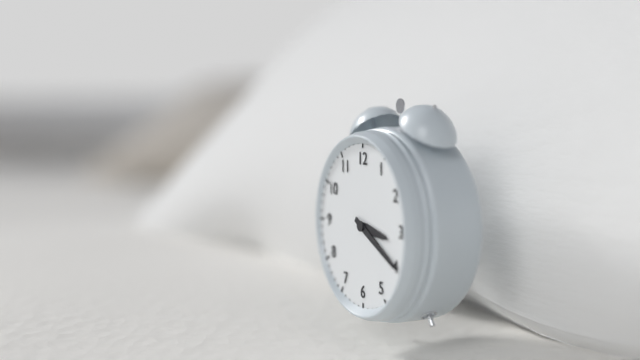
3:20
